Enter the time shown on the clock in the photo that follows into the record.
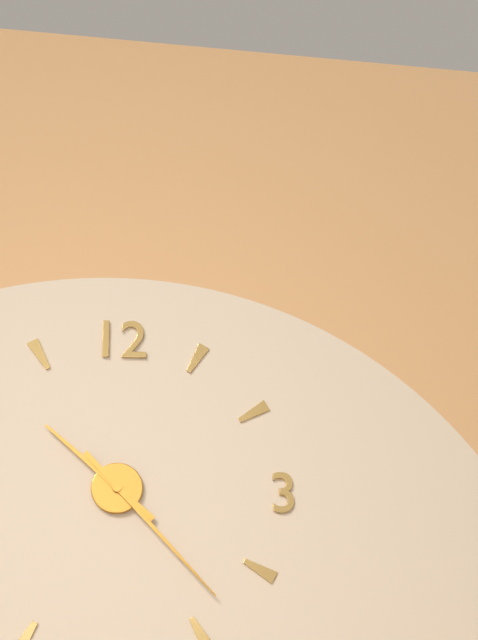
10:23
